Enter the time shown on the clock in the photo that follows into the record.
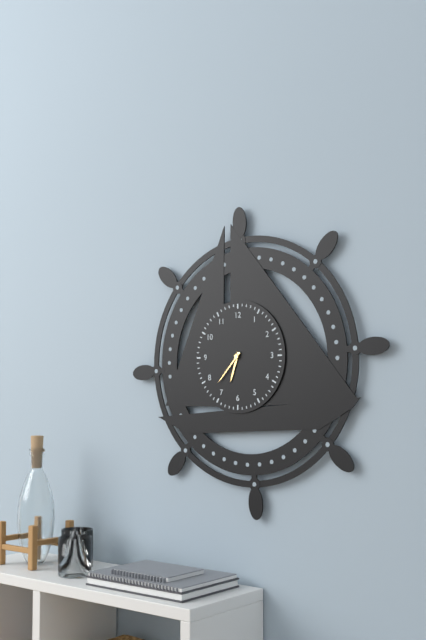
6:37
